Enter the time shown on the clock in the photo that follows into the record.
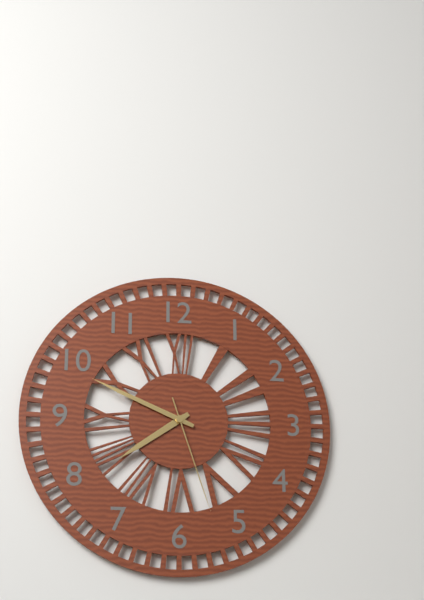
7:49:27
